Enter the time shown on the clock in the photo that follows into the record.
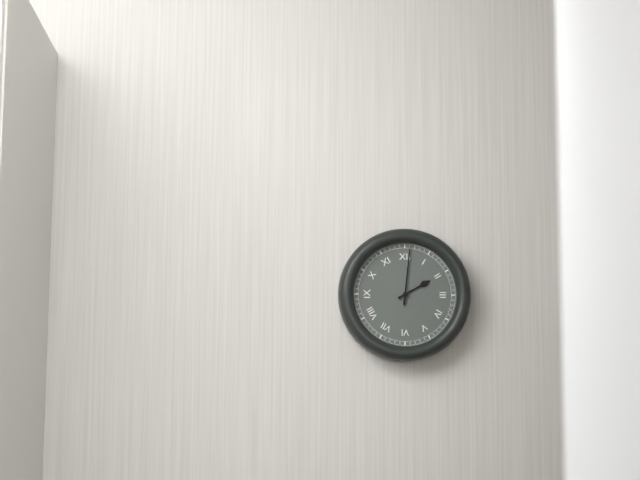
2:01
